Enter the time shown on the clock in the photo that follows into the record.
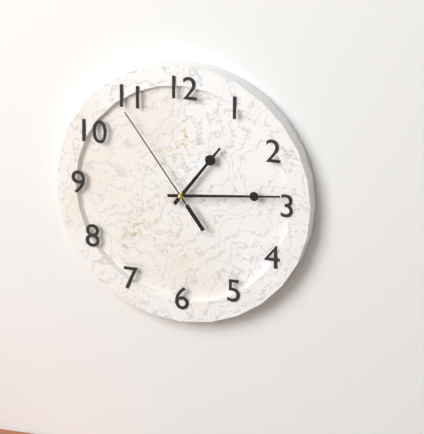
1:14:54
